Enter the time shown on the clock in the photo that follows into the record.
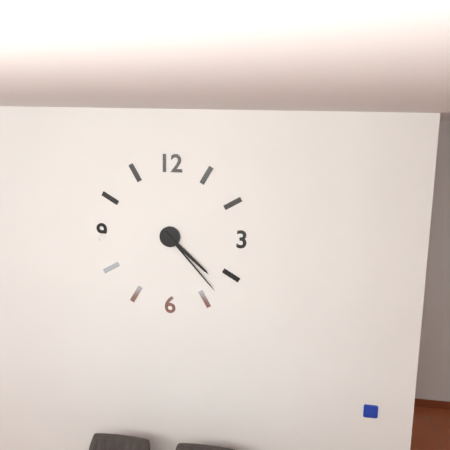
4:23
